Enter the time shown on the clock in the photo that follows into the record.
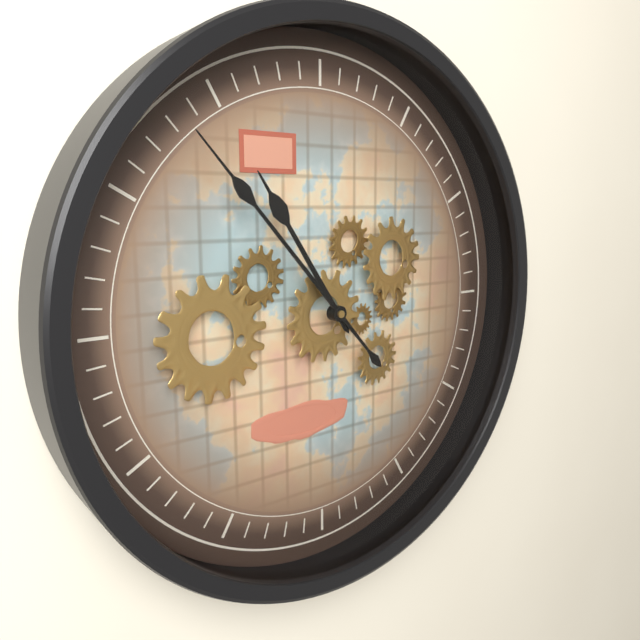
10:53
